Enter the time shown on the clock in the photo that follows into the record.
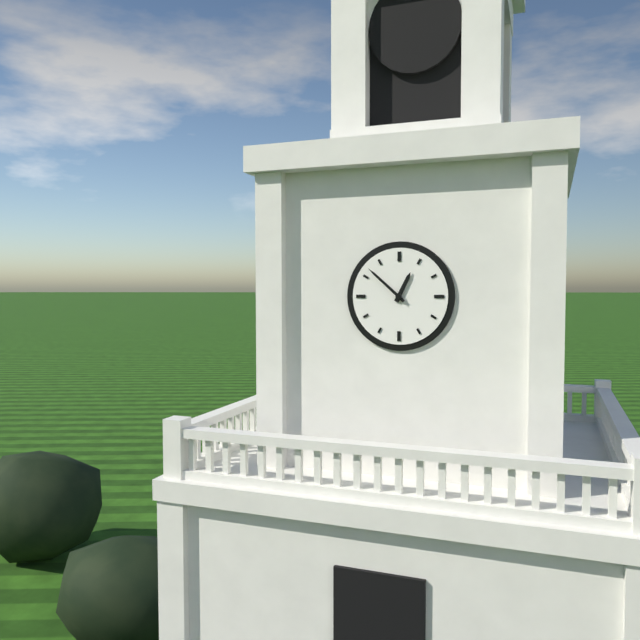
12:52
